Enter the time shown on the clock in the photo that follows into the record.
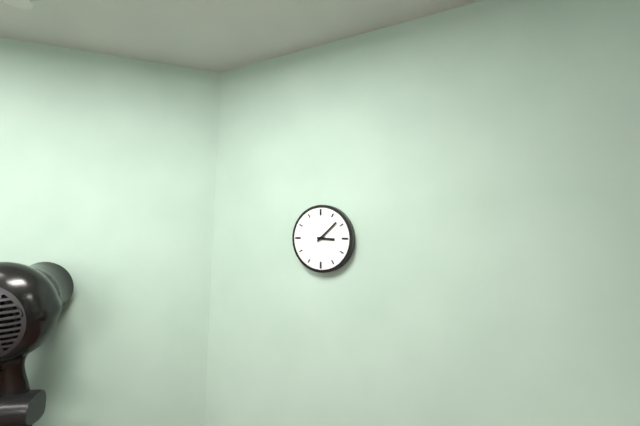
3:08
